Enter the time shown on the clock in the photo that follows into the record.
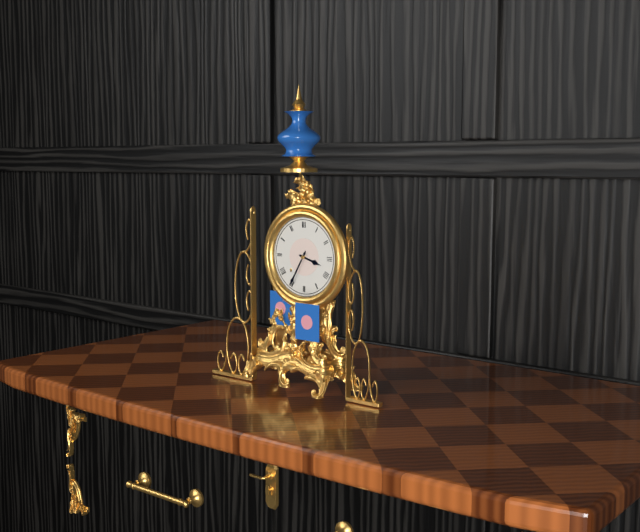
3:35
